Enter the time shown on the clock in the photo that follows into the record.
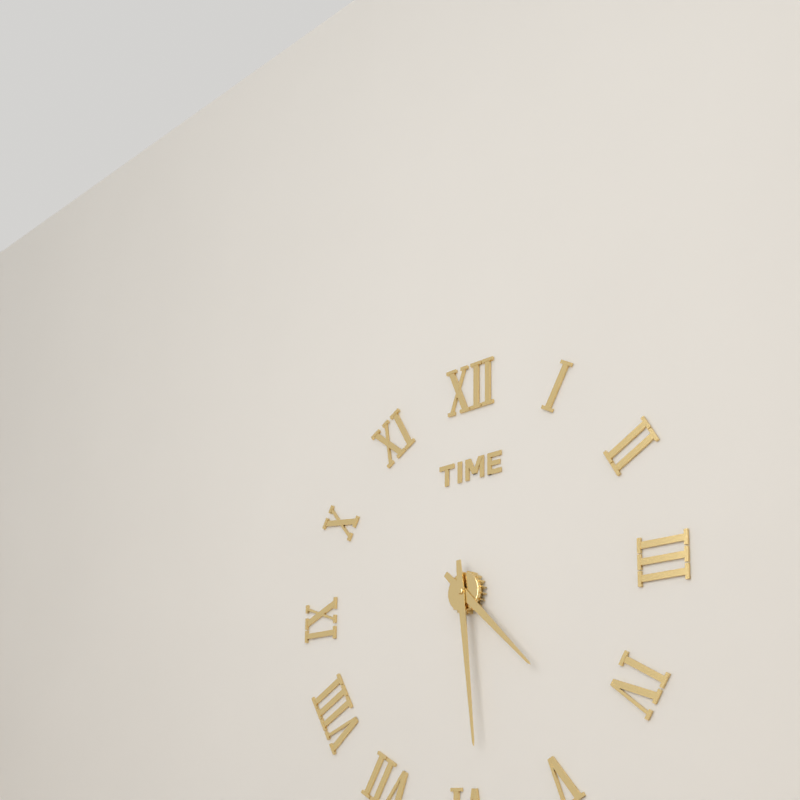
4:29
